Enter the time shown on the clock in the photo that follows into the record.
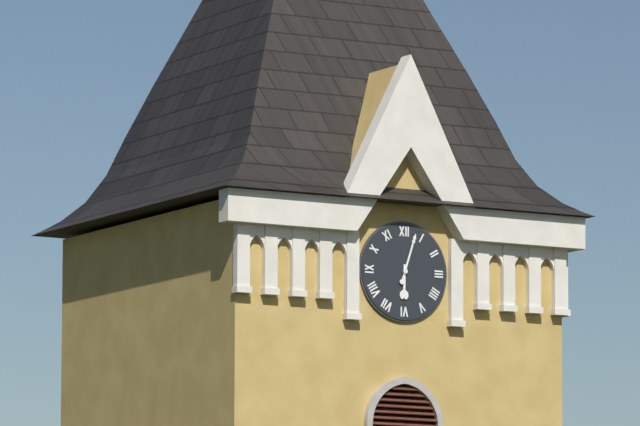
6:03
